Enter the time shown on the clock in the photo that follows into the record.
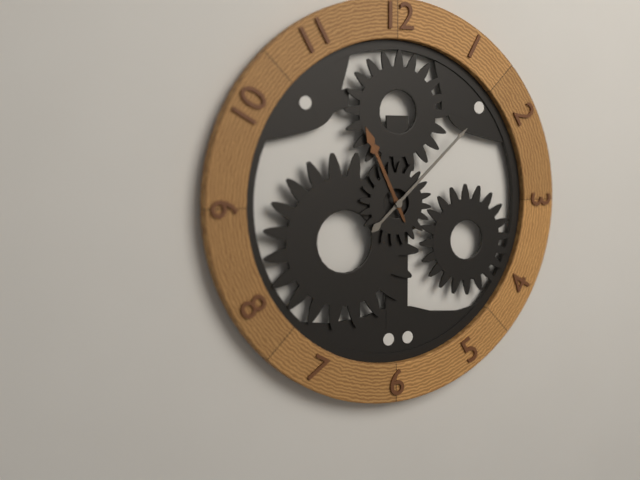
11:08
